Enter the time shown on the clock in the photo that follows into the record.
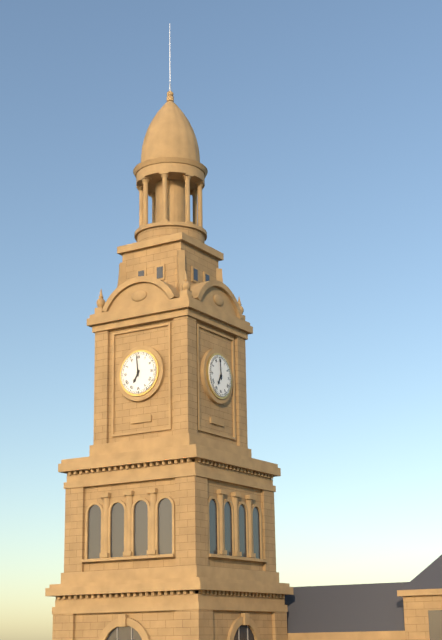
6:59
